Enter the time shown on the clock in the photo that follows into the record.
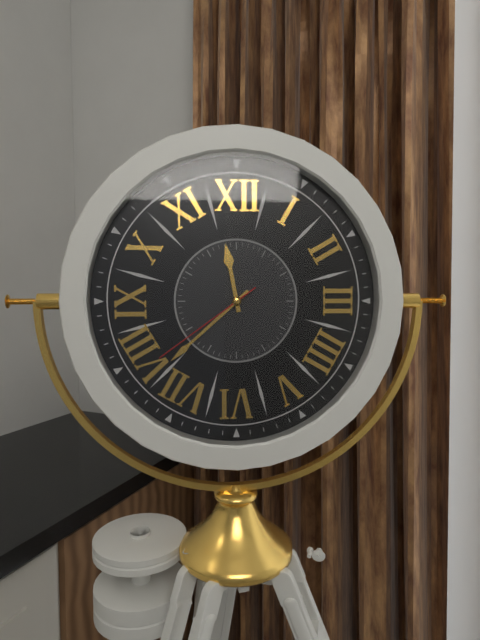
11:38:39
